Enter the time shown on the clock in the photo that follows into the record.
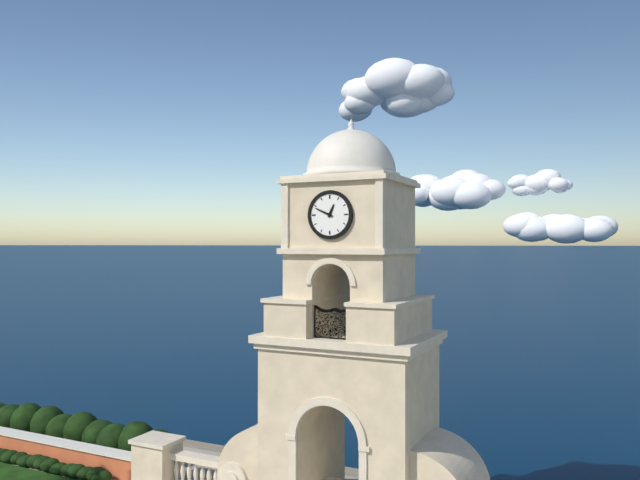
12:49
